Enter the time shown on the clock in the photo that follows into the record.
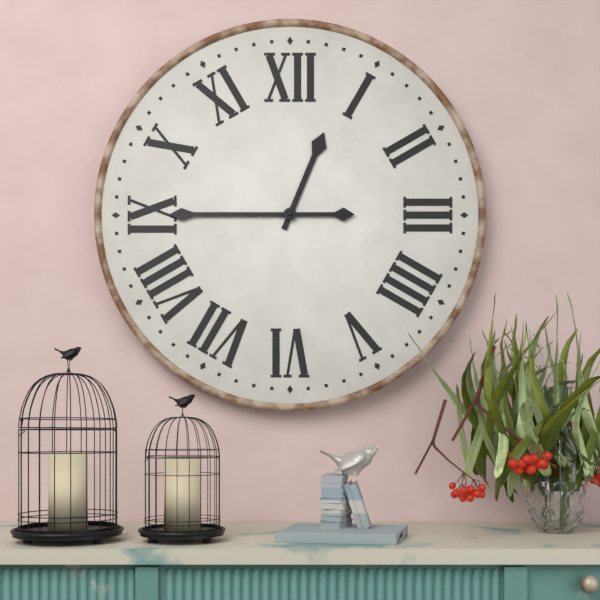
12:45
